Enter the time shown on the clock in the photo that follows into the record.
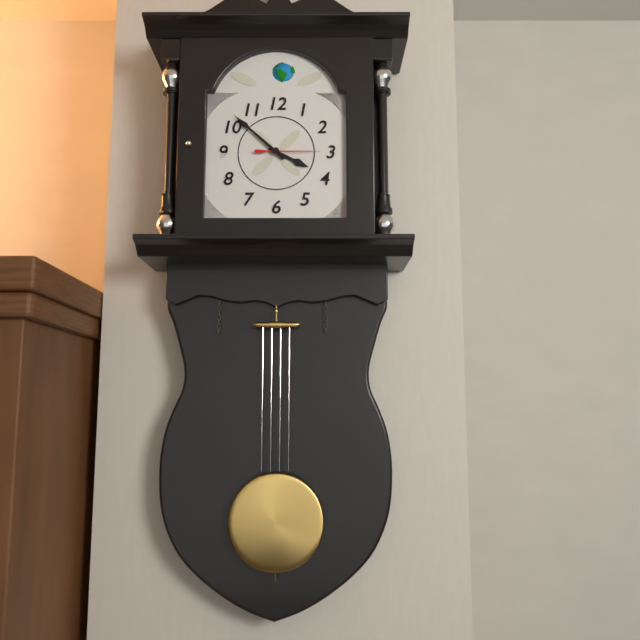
3:52:15
